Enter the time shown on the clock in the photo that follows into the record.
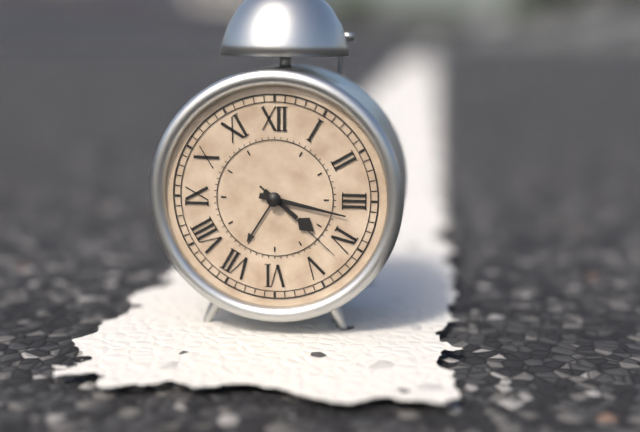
4:17:22
